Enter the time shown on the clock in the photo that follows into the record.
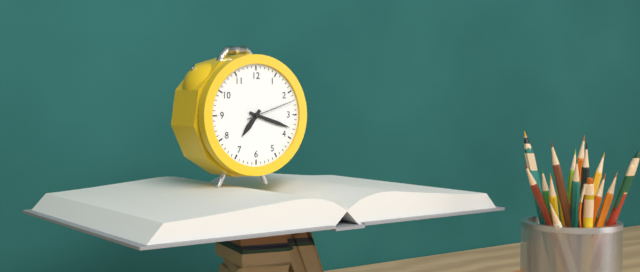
7:18
